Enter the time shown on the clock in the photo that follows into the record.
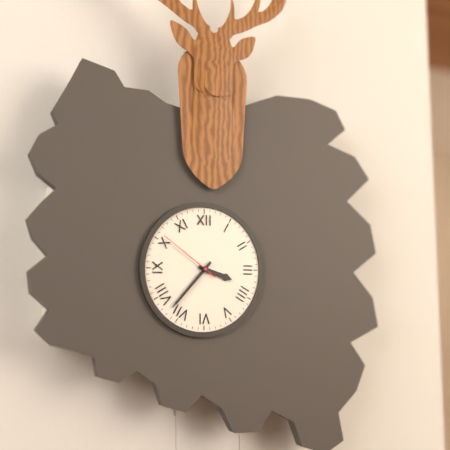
3:37:51
